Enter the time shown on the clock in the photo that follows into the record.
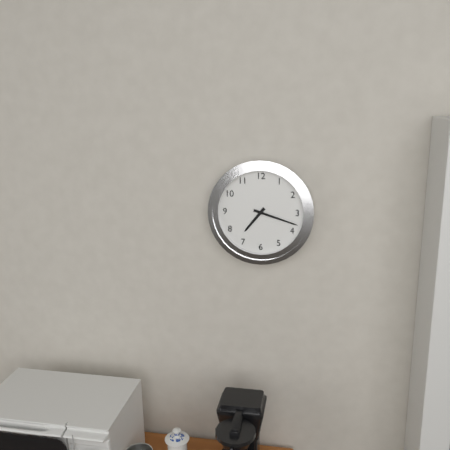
7:18
